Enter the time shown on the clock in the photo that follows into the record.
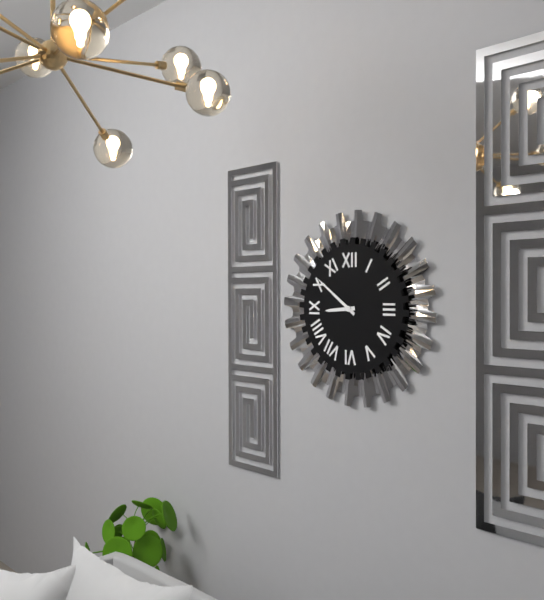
8:51
